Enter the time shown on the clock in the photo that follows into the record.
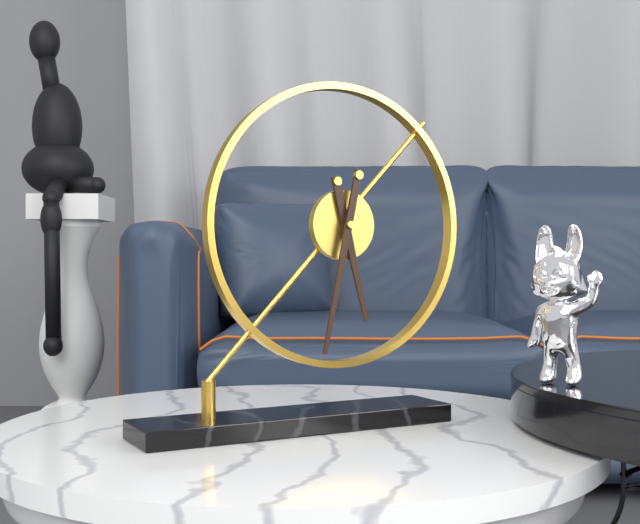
5:32
